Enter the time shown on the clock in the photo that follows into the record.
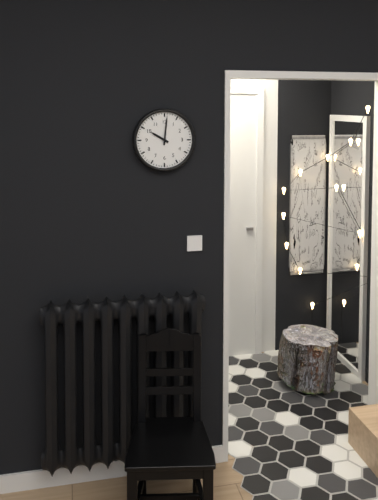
10:01
